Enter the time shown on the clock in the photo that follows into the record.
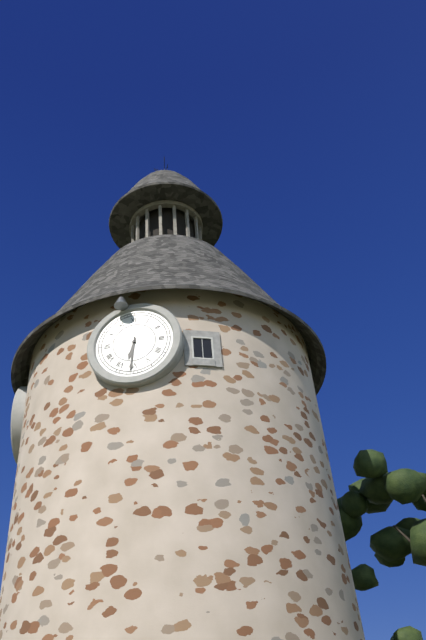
6:31
